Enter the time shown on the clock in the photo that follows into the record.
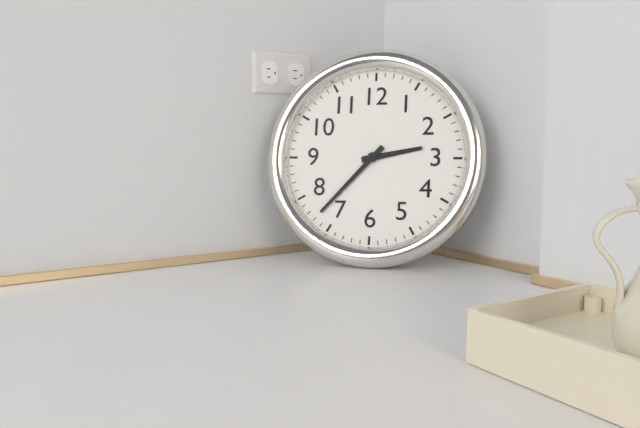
2:37
